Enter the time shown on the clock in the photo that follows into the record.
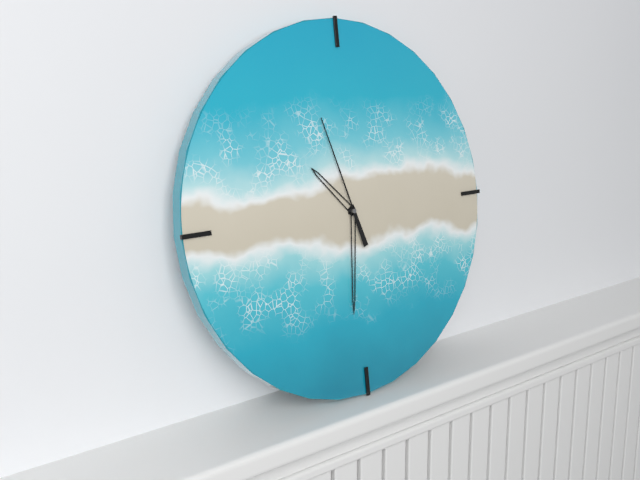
10:31:57
